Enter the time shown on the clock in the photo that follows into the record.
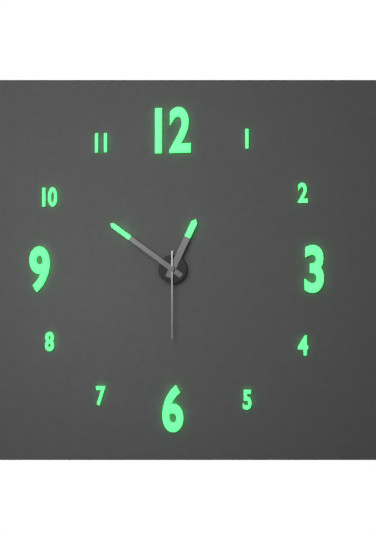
12:51:30
